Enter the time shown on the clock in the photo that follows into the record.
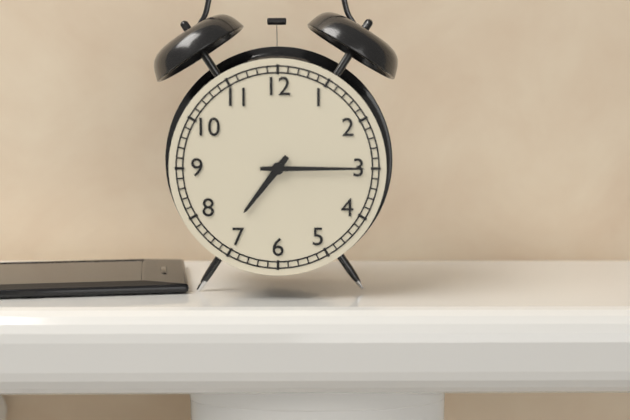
7:15
